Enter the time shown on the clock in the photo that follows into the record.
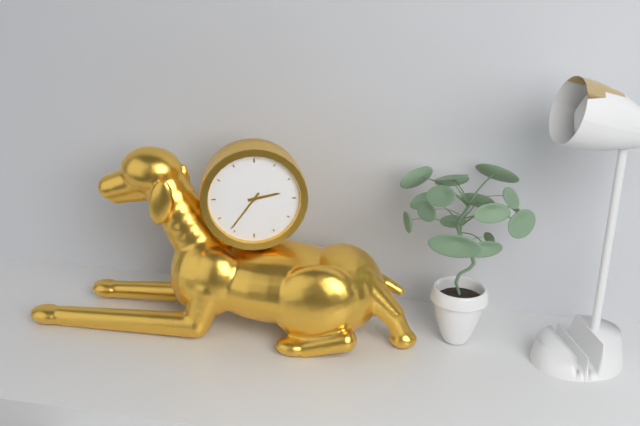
2:36
